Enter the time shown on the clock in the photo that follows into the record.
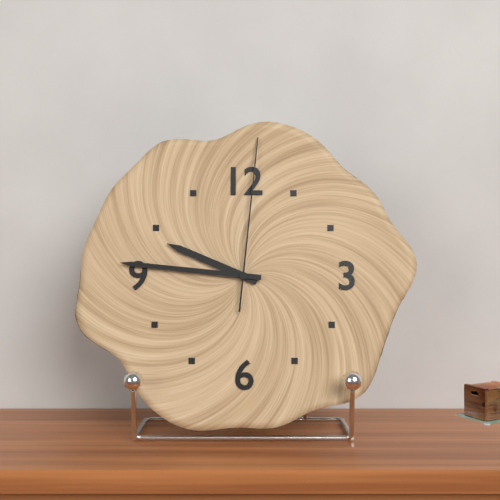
9:46:01
